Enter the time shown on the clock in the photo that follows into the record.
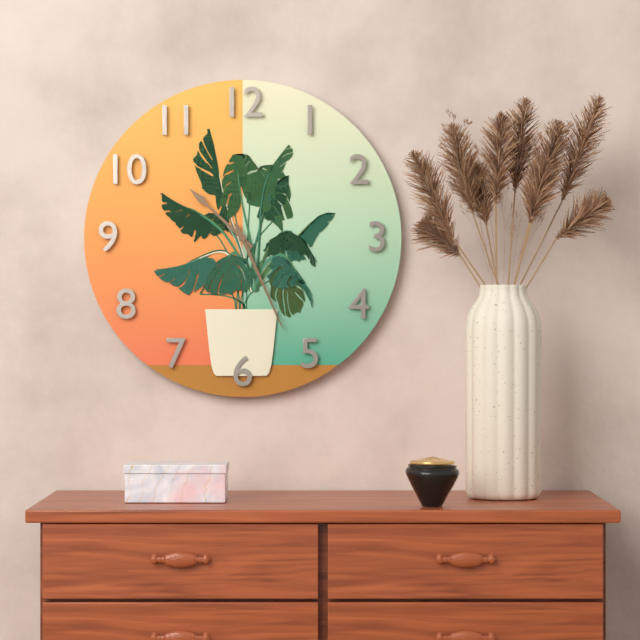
10:26
